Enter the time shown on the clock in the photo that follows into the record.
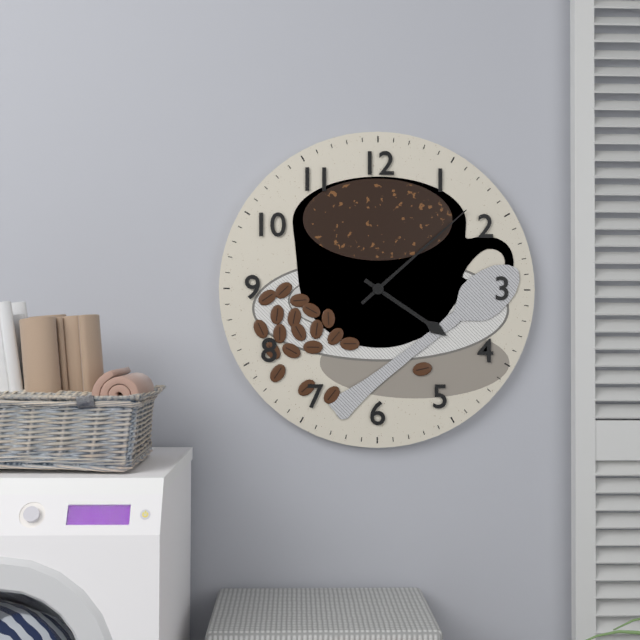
4:08
